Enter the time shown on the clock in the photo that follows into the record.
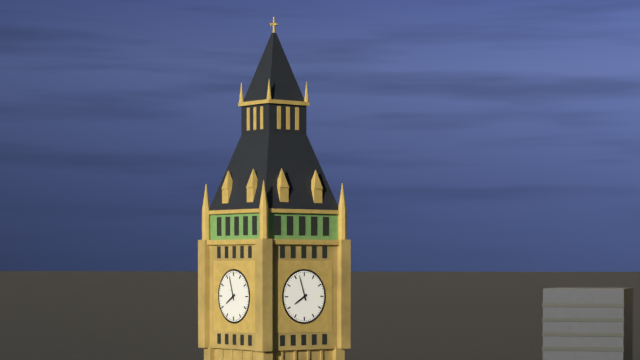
7:57
